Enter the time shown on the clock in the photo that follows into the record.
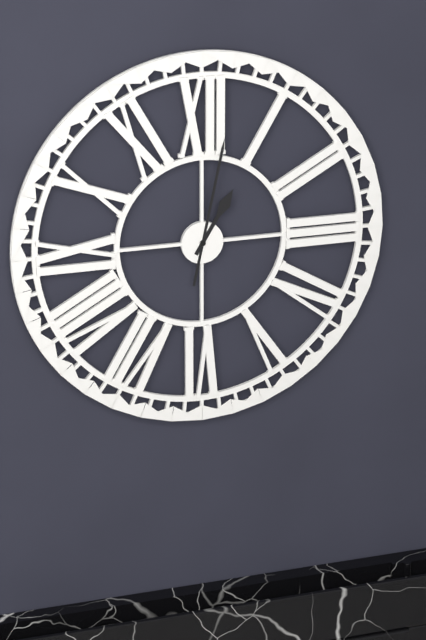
1:02
